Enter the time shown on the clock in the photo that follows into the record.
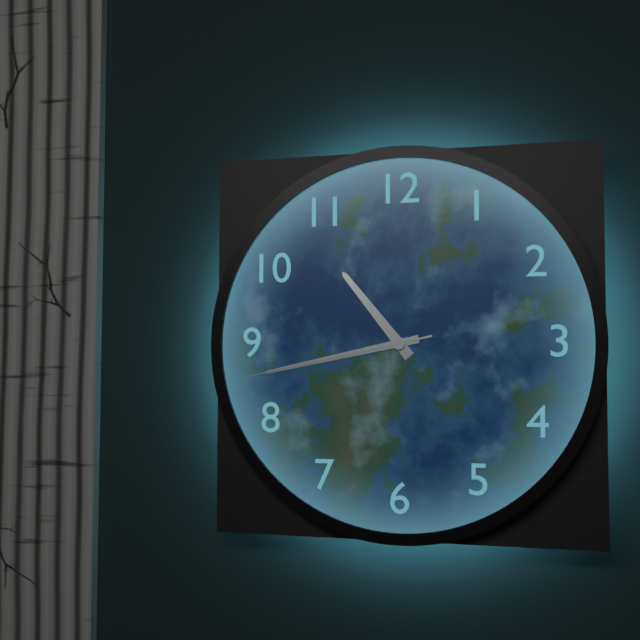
10:43:43
